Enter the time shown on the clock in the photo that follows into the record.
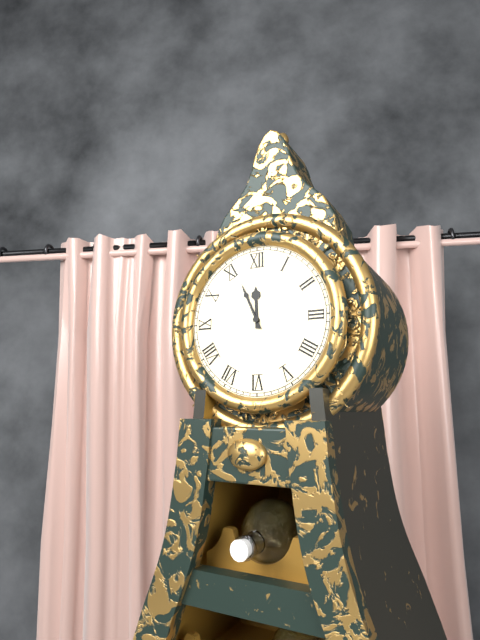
11:56
